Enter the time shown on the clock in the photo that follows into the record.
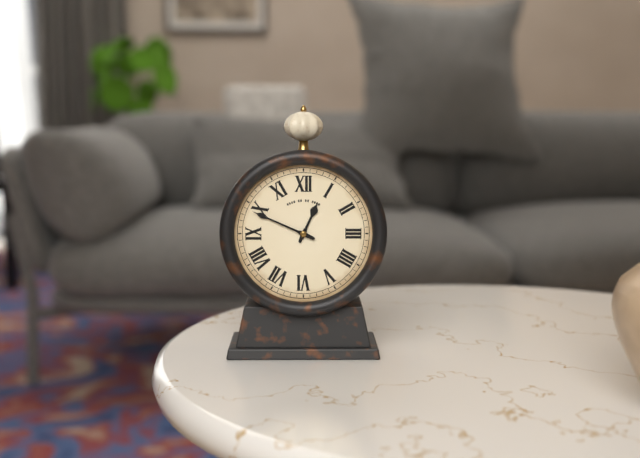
12:49
